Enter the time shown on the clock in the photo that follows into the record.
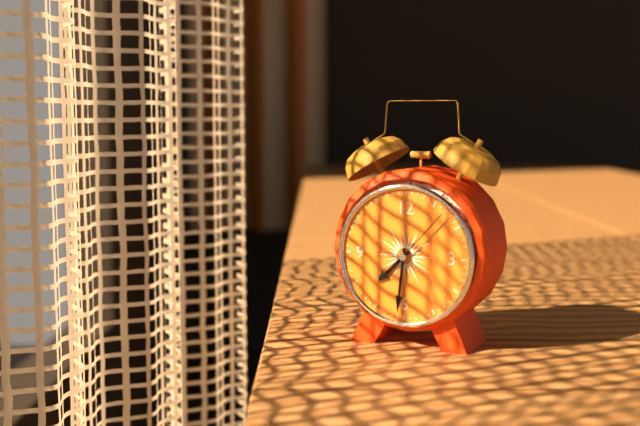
7:31:07
